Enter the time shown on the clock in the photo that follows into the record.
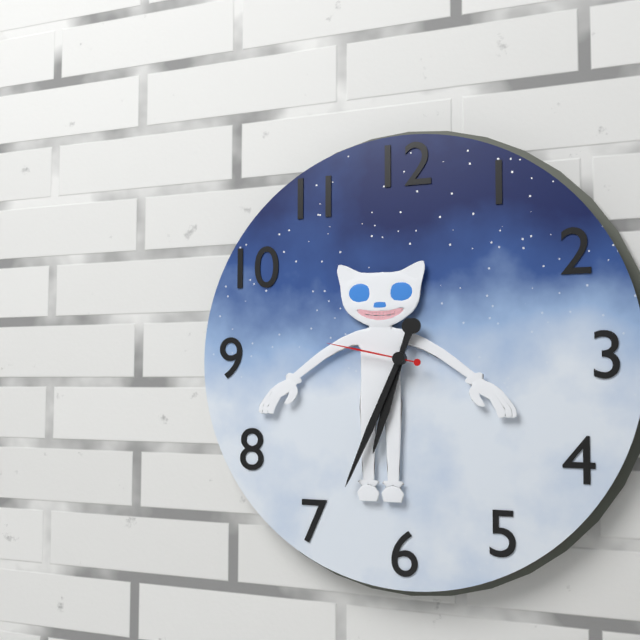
6:34:47
